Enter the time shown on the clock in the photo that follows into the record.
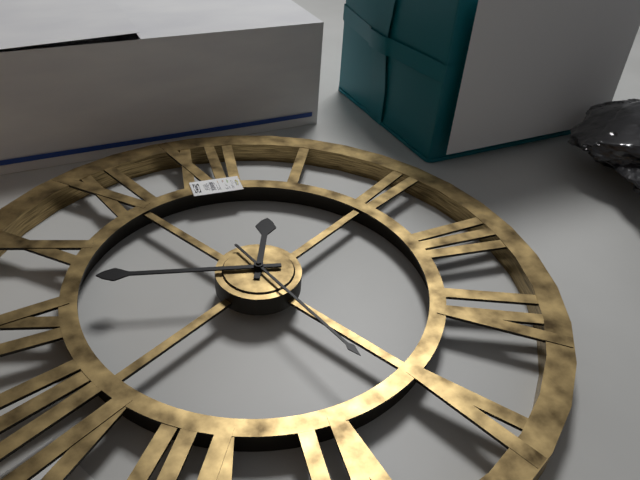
12:47:27
